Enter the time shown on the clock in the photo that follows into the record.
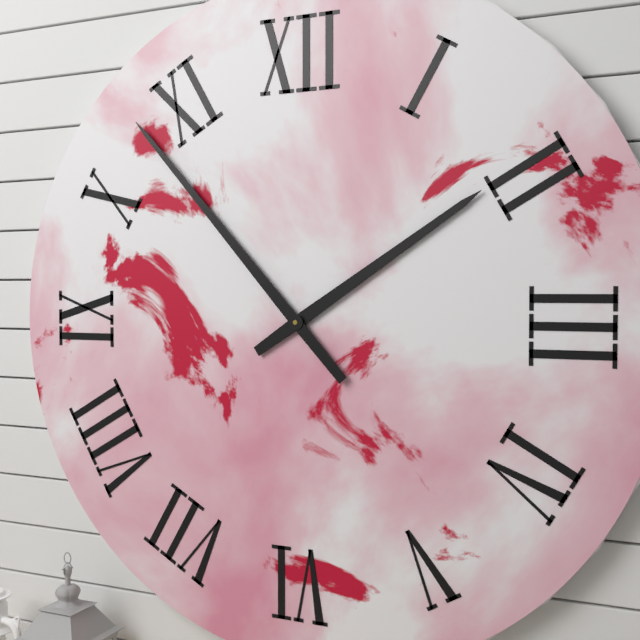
1:53
